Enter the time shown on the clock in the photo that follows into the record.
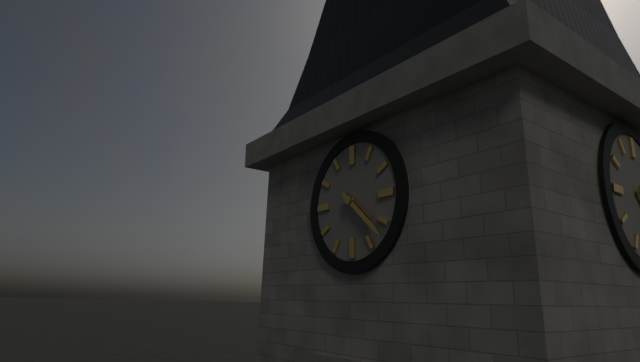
4:22
